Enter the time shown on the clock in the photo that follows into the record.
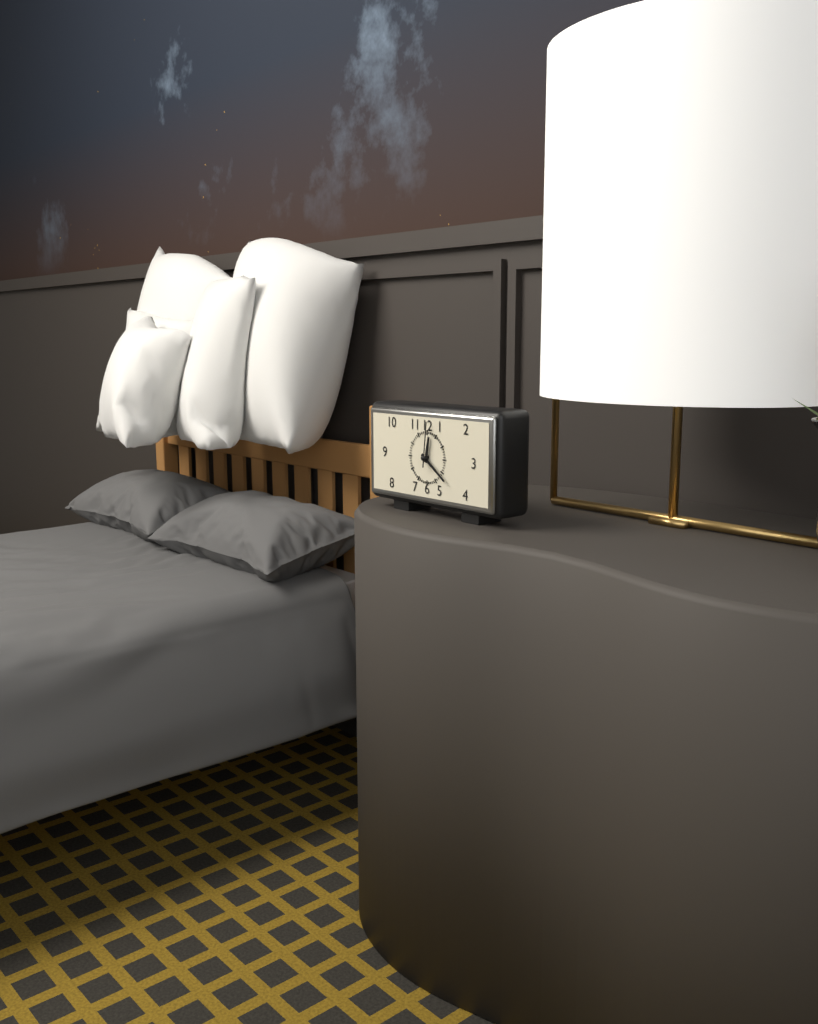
12:21
